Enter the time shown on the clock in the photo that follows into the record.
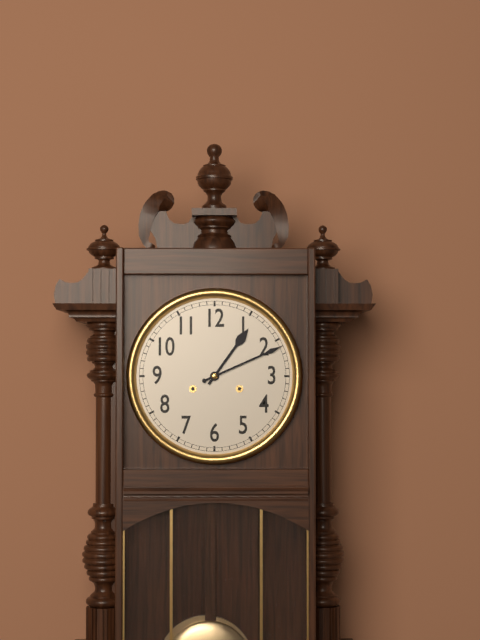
1:11
